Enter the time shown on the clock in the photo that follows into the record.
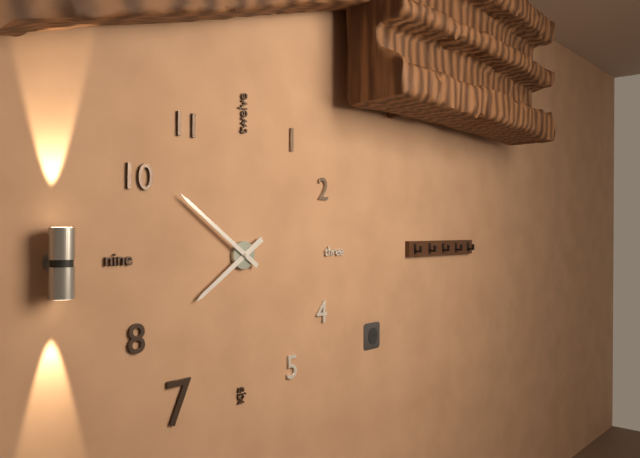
7:51
